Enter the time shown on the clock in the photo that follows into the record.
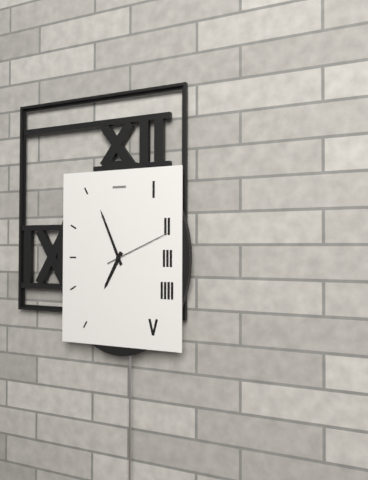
6:56:11
